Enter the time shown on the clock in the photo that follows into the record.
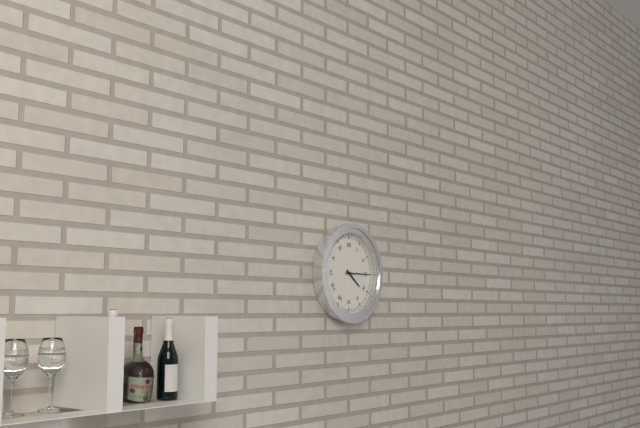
4:15
